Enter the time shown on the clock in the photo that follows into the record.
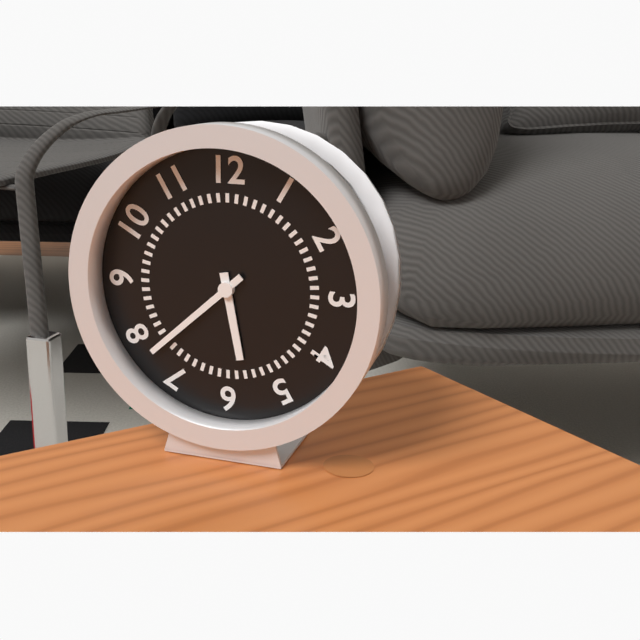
5:38
